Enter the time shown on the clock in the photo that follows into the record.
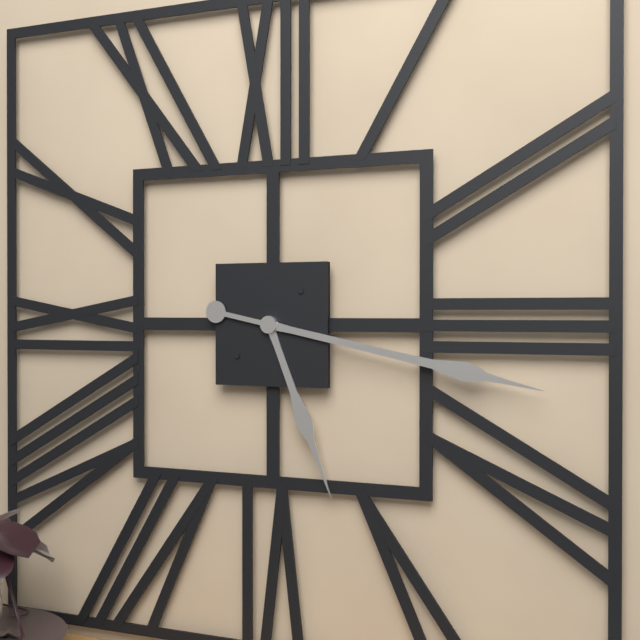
5:17
